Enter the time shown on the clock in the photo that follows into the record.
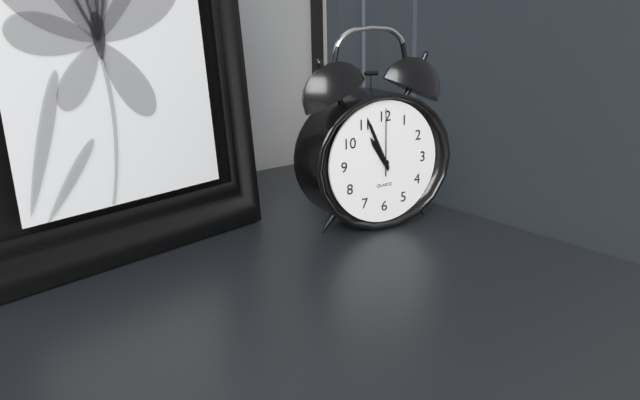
10:56:00
